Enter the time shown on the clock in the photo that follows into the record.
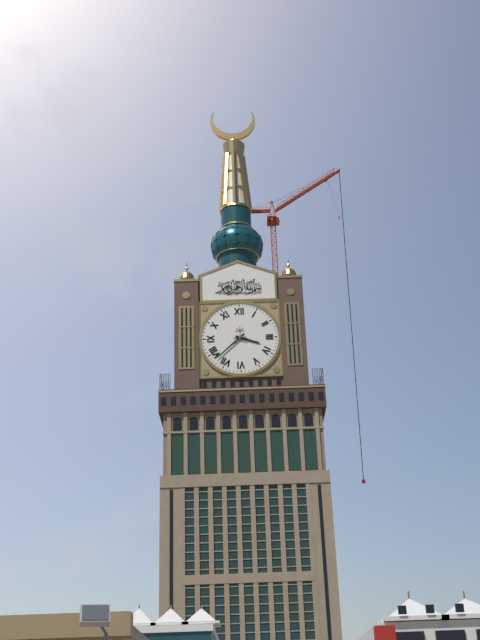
3:38
